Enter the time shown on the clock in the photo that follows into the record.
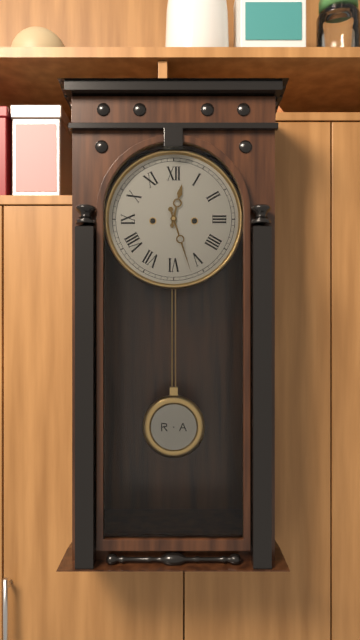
12:27
